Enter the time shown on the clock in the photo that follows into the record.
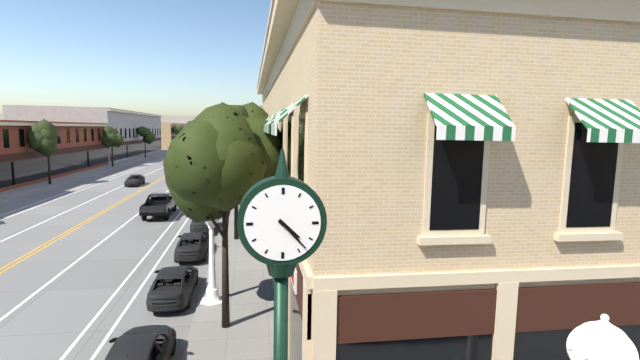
4:23
